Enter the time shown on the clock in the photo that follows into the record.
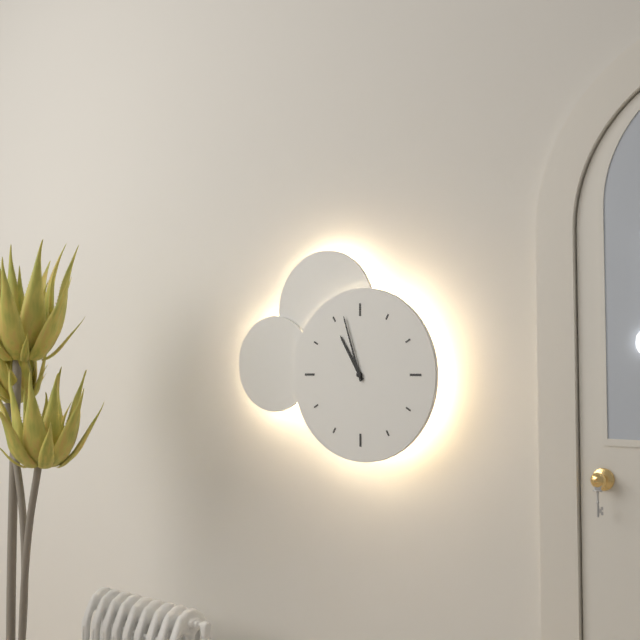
10:57
